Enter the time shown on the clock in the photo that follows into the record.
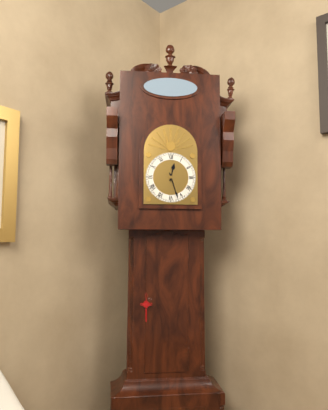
12:27
